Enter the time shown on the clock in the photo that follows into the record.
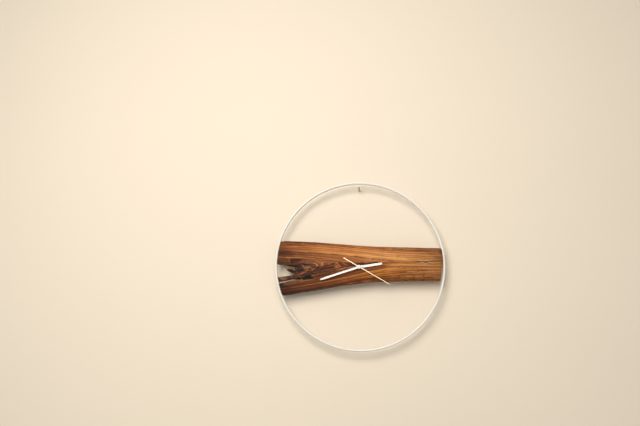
2:42
